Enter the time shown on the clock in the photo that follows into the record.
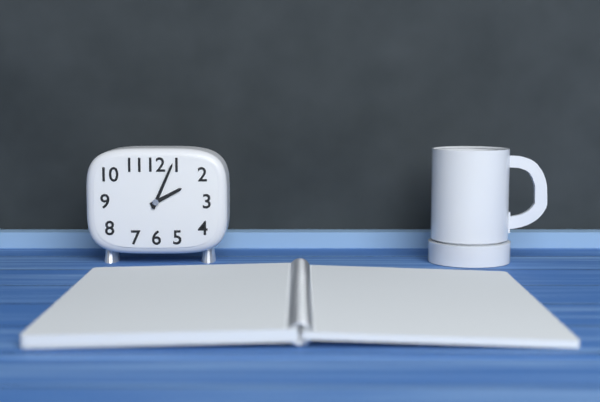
2:04
